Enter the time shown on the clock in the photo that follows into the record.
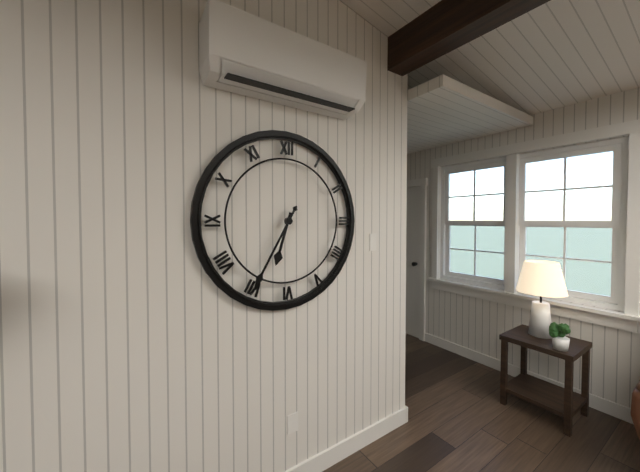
6:35
